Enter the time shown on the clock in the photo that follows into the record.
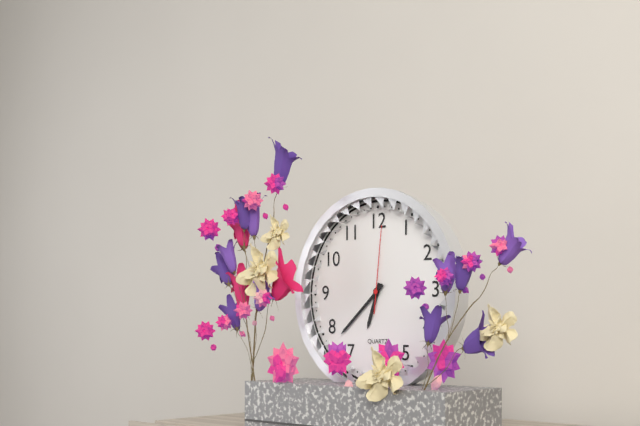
6:38:01
